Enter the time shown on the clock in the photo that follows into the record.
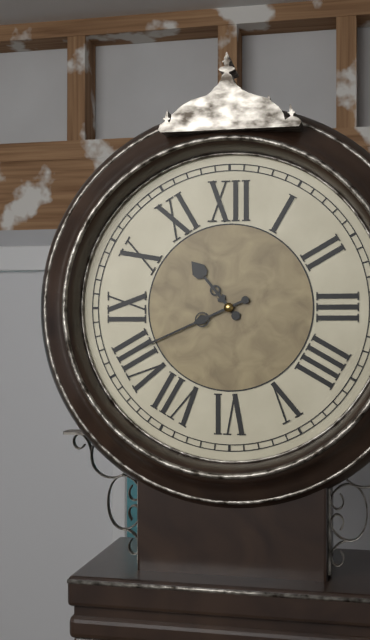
10:41
